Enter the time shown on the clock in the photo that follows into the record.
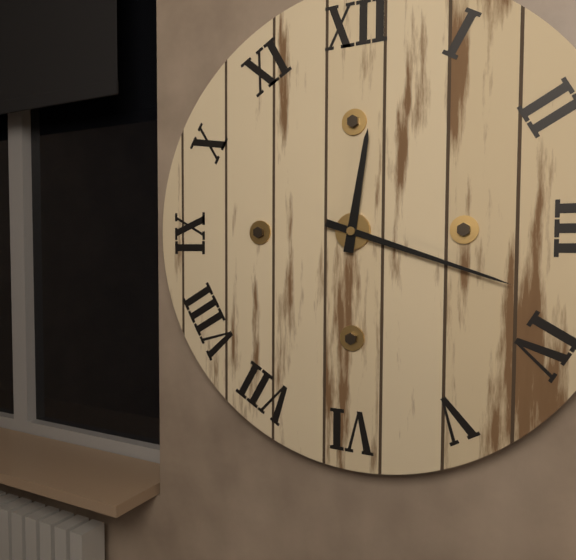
12:18
